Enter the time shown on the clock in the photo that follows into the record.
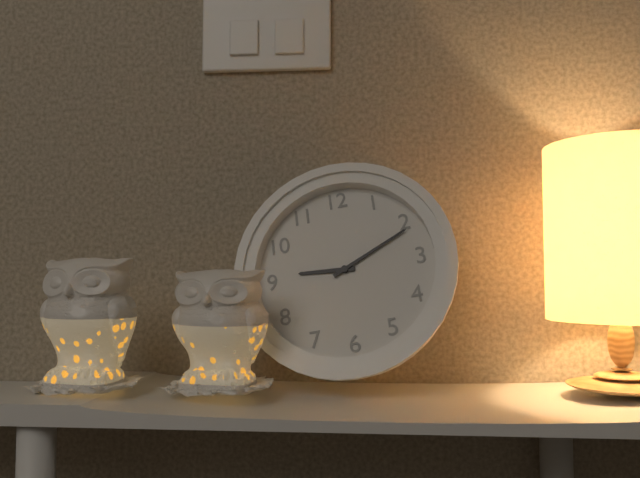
9:11
